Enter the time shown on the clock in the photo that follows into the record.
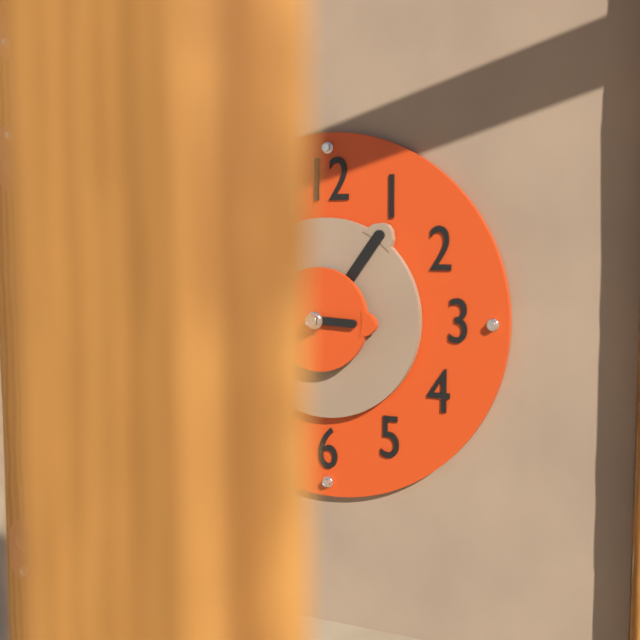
3:06
